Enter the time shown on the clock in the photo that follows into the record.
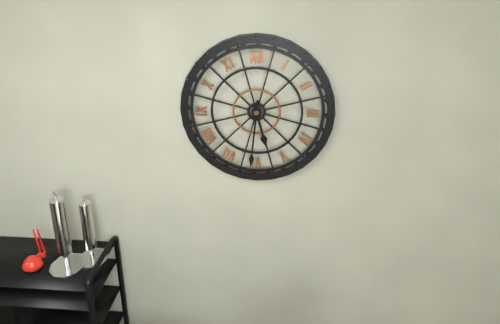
5:31
